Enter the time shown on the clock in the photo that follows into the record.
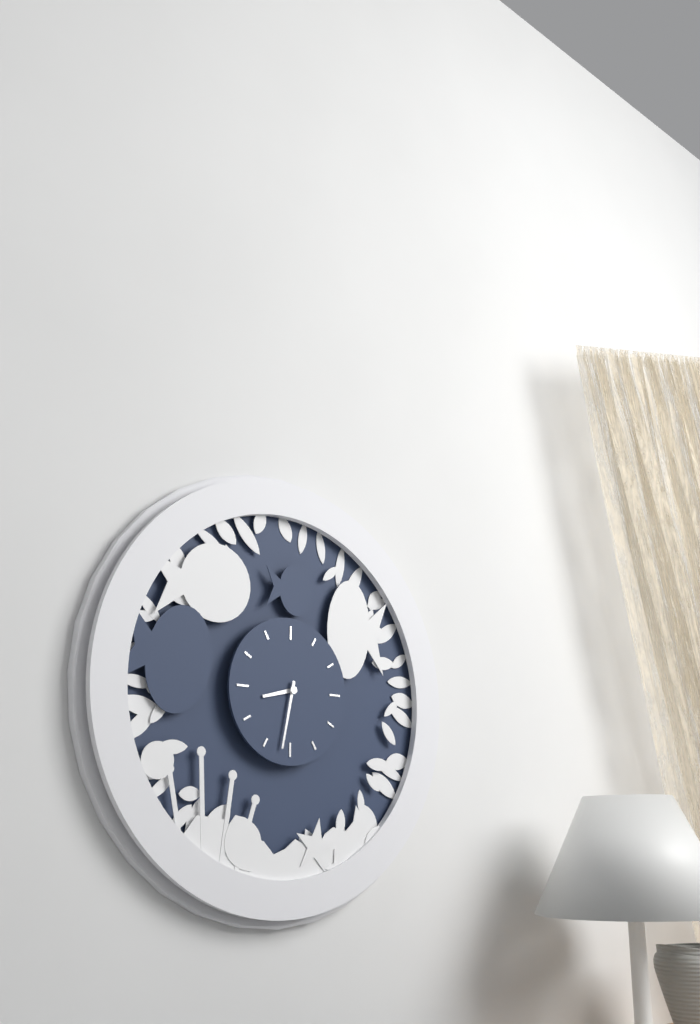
8:32
